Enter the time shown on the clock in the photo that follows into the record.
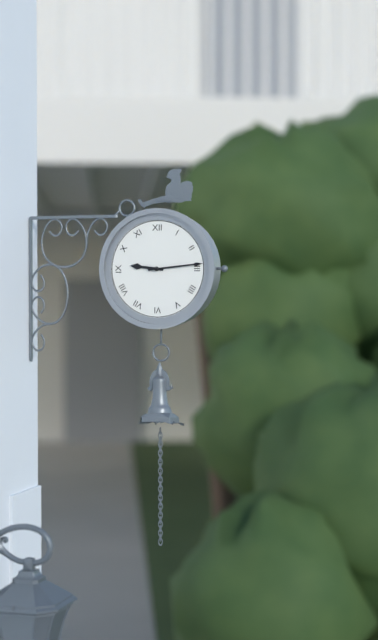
9:14
